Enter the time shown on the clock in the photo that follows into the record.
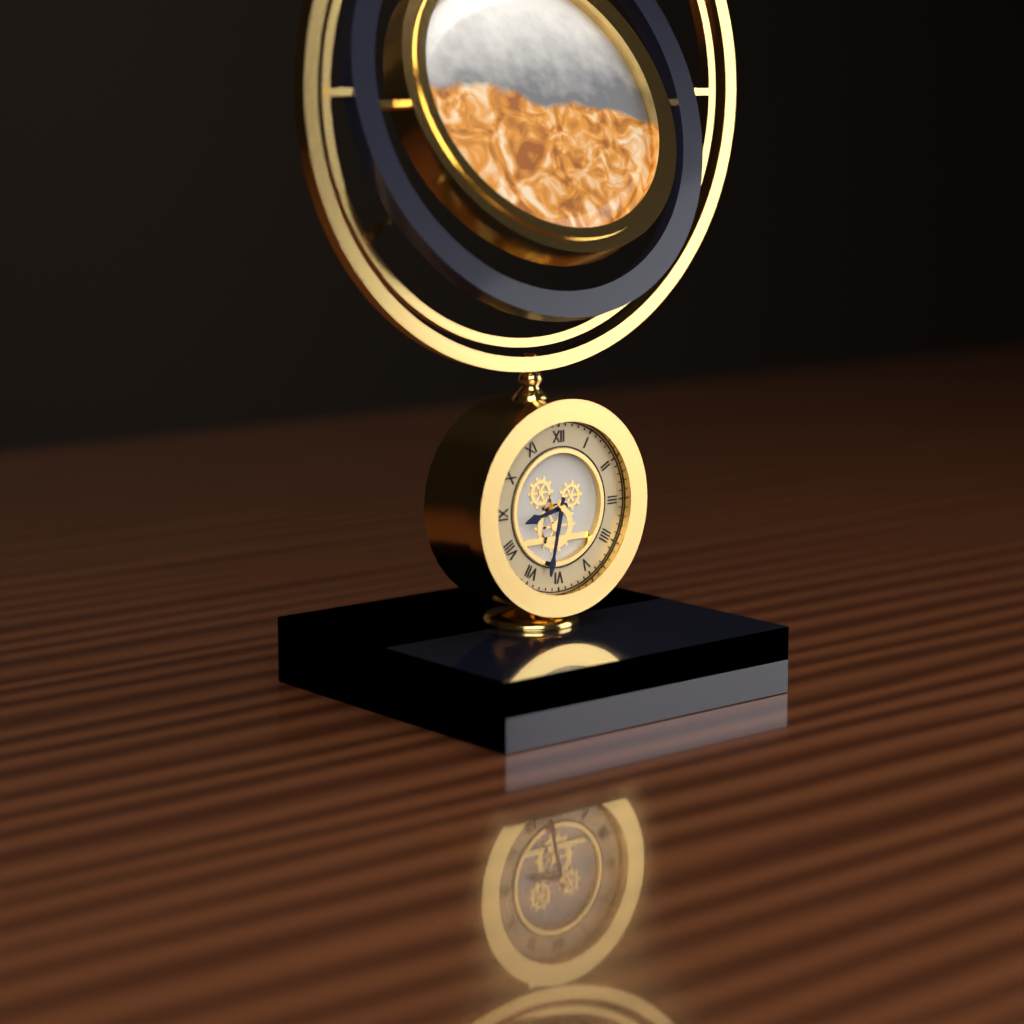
8:32
